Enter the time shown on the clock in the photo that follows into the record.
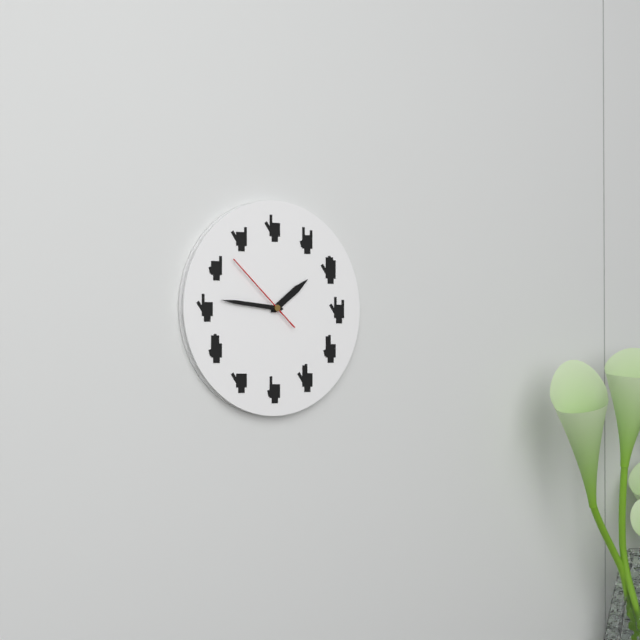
1:46:52
